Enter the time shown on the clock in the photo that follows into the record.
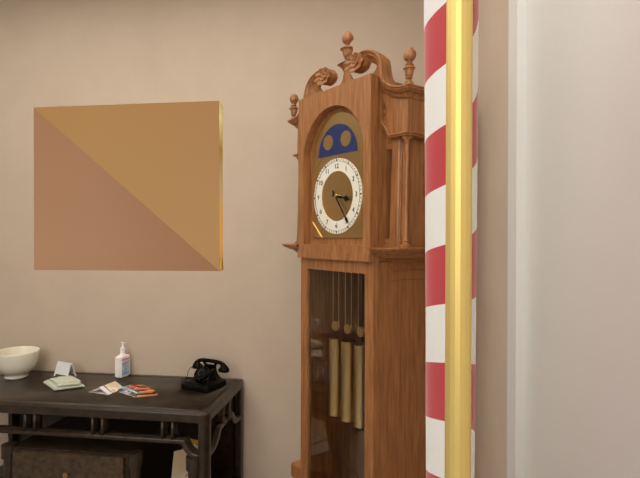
3:24
